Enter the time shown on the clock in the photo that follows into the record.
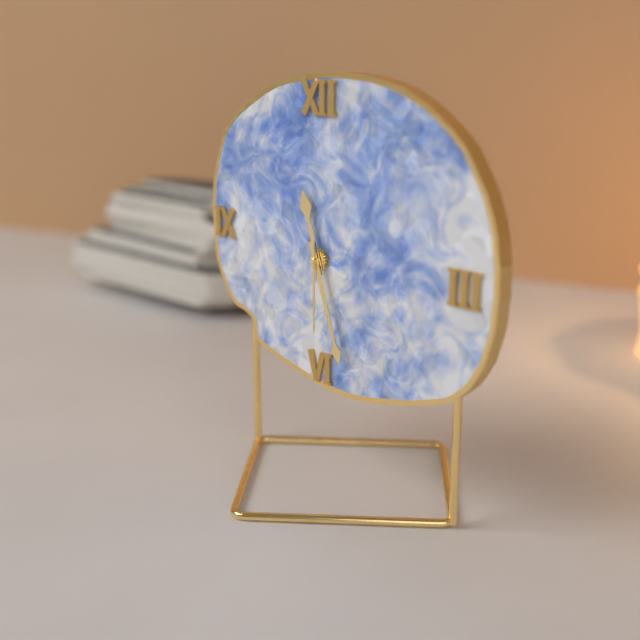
11:27:30
